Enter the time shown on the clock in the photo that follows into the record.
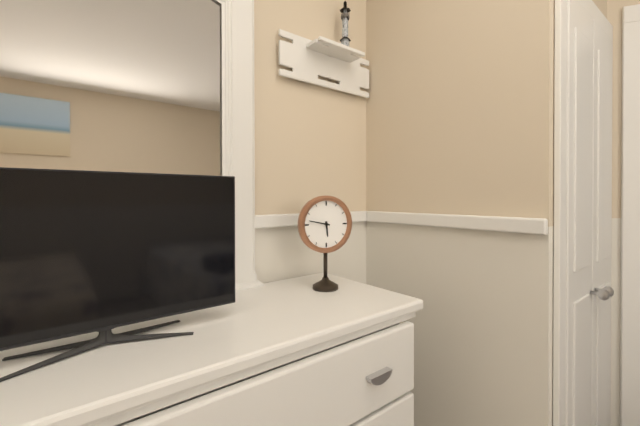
5:47
